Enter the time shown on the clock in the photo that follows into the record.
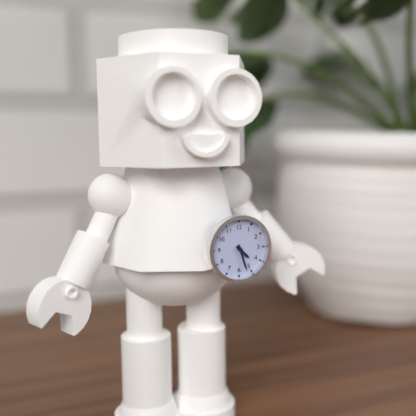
4:27
